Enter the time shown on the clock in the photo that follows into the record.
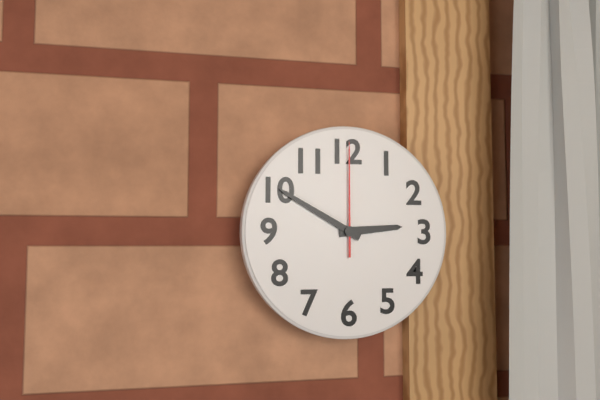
2:50:00
